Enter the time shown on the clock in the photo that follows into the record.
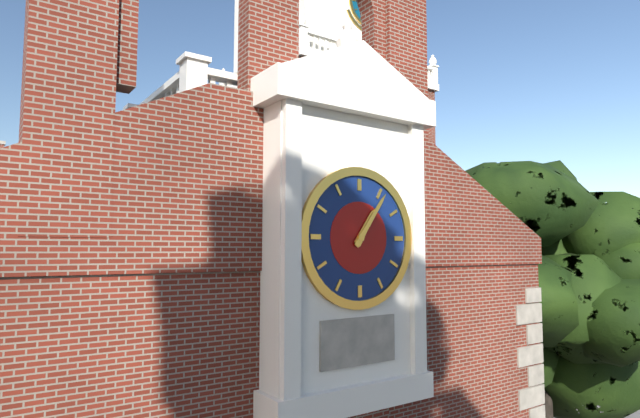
1:06
